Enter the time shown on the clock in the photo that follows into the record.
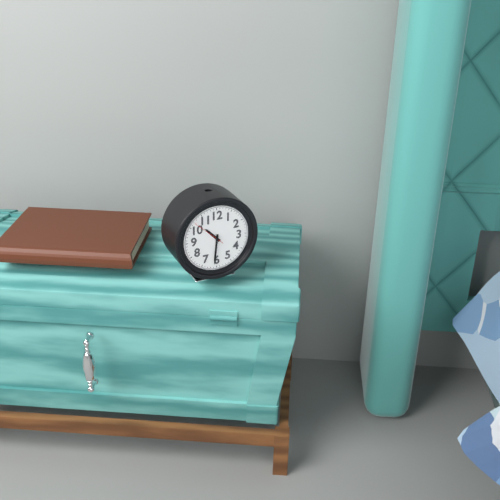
10:31
